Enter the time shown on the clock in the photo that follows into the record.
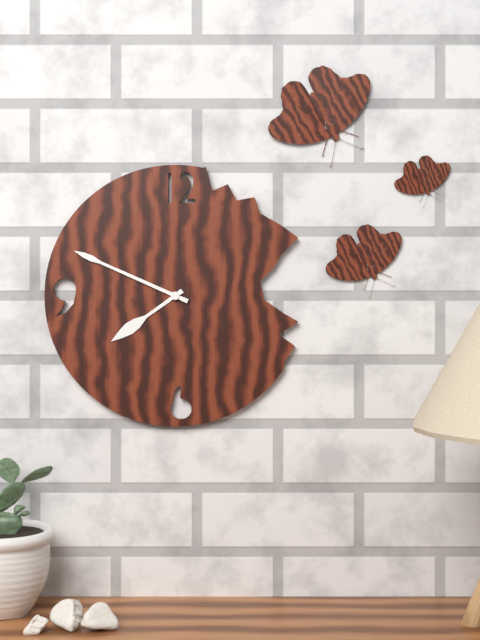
7:49
